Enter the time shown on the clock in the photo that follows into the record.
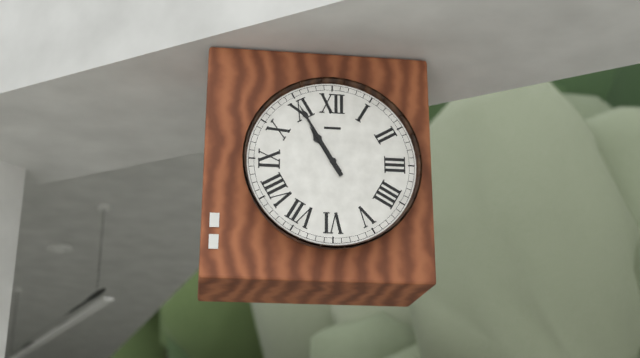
10:55
